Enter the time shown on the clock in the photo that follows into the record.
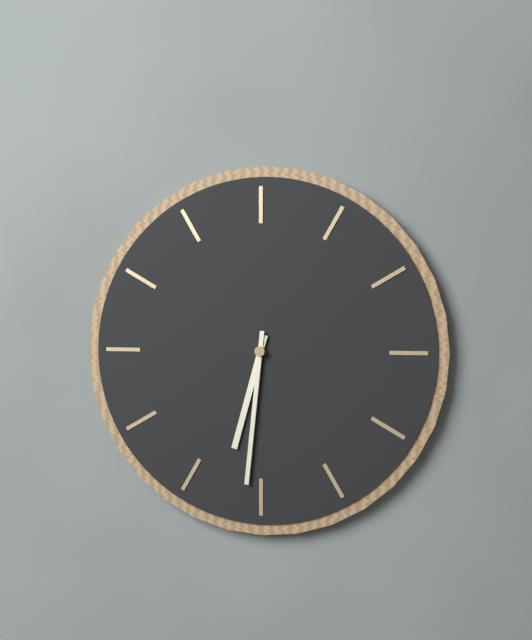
6:31
